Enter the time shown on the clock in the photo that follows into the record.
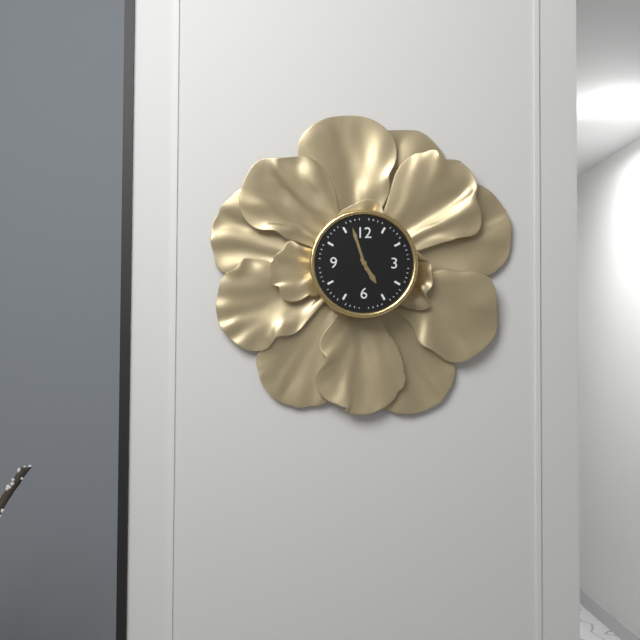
4:57
